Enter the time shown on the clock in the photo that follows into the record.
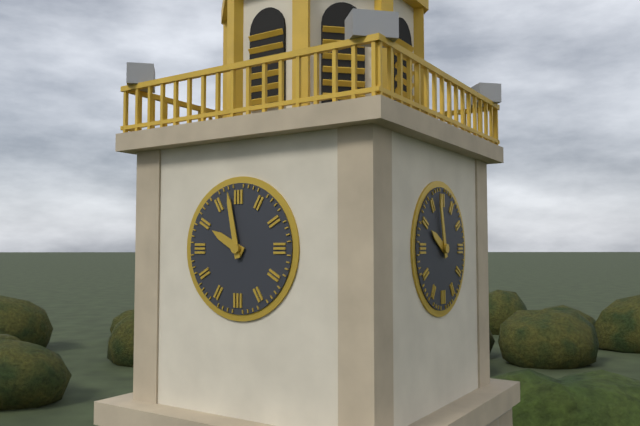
9:58
